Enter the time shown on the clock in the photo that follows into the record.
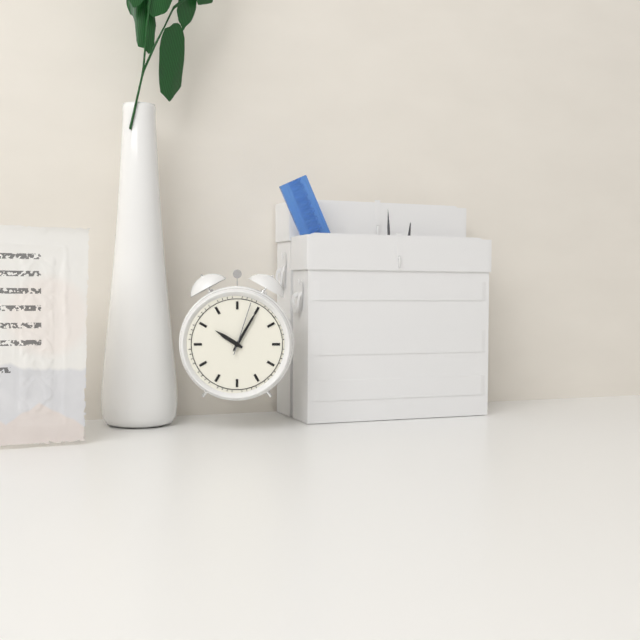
10:05:03
